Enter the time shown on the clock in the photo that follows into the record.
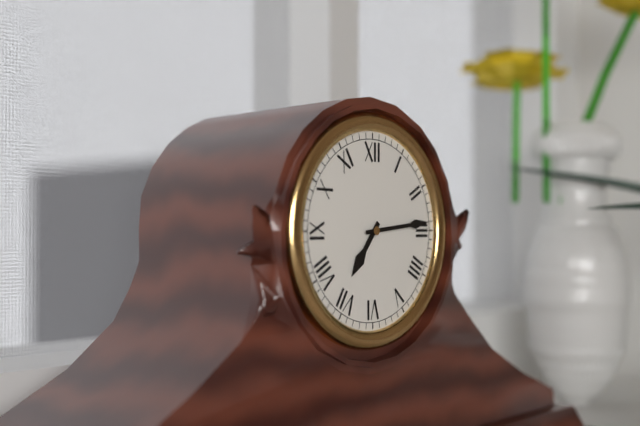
7:14
